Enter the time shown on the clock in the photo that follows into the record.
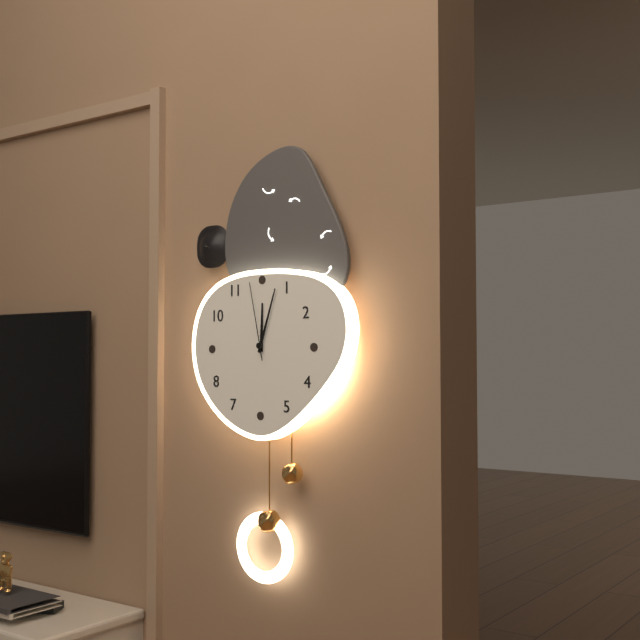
12:03:58
